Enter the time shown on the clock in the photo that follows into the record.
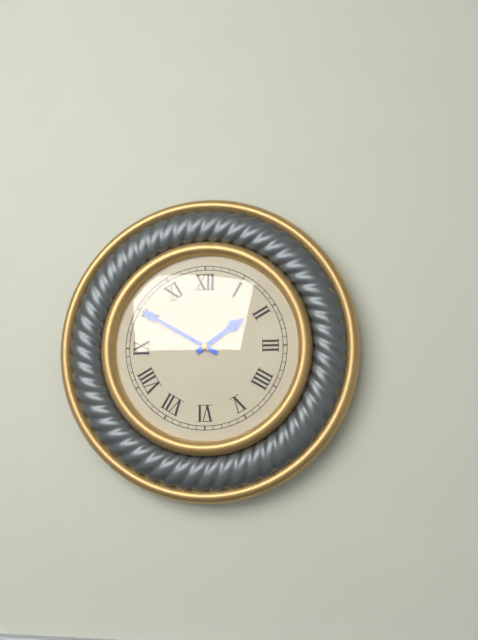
1:50
